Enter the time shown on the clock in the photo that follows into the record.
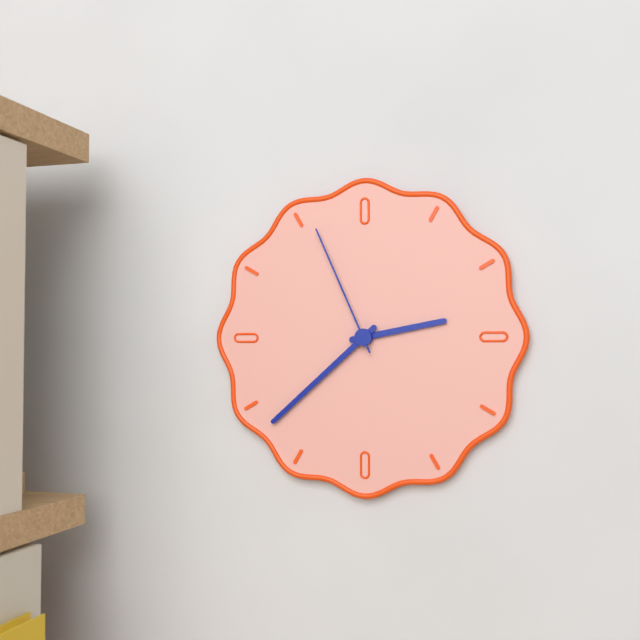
2:38:56
